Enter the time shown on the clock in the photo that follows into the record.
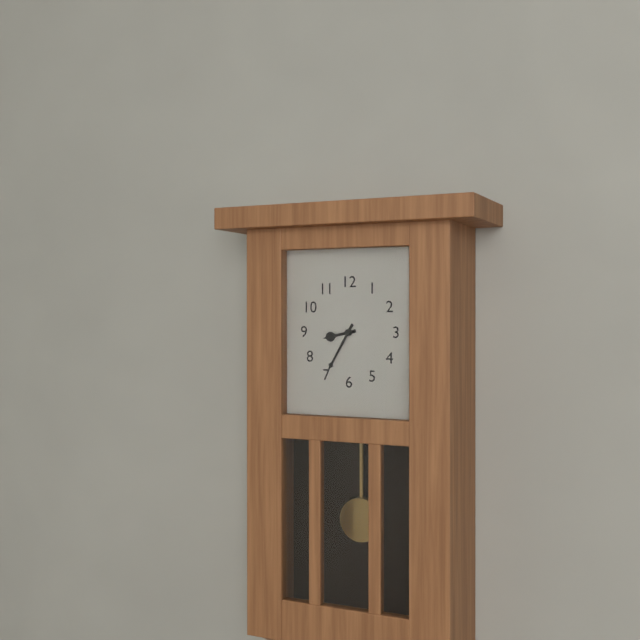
8:35
